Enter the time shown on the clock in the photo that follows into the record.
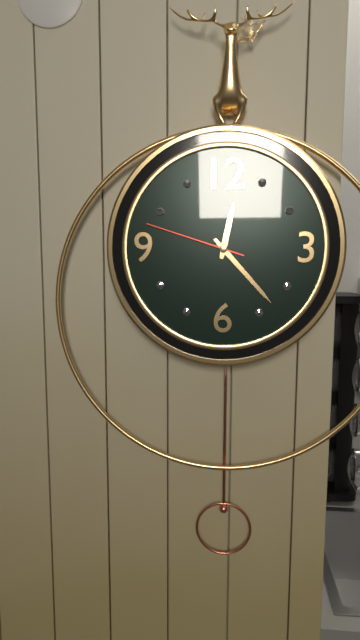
12:23:48
